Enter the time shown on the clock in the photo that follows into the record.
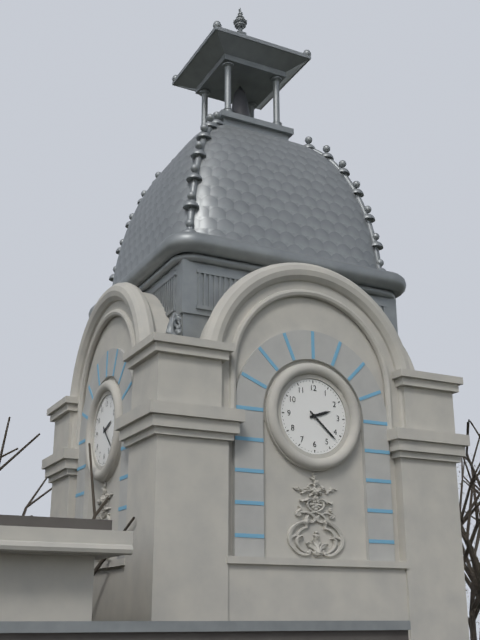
2:22
